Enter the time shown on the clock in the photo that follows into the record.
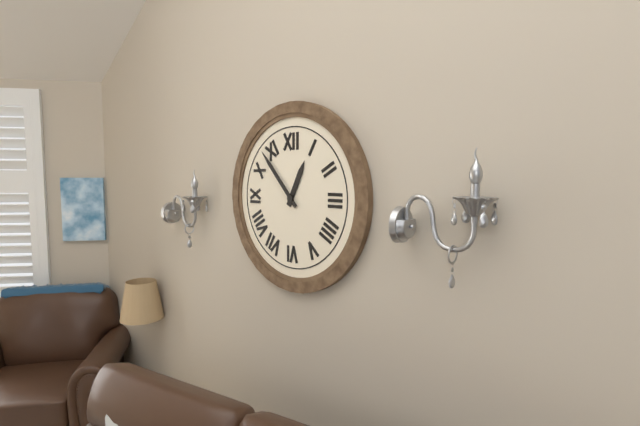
12:53
